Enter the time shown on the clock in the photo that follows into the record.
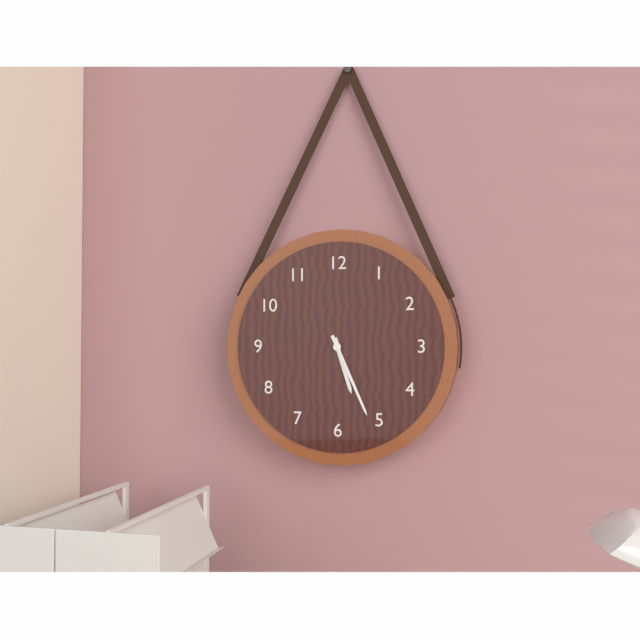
5:26
